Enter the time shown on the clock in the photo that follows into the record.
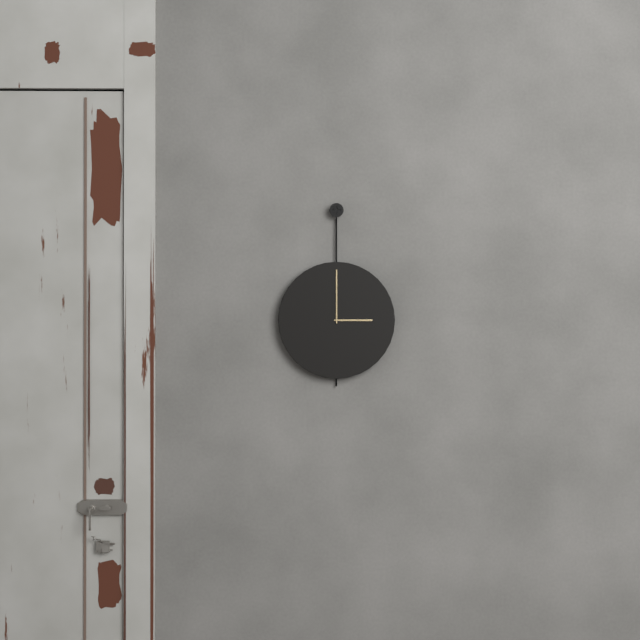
3:00
